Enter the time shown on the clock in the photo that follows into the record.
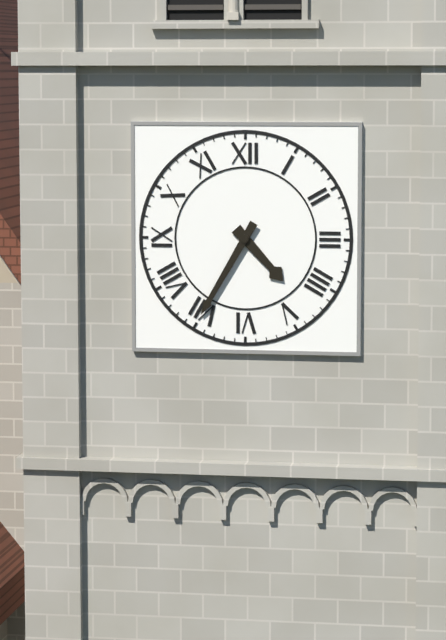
4:35
